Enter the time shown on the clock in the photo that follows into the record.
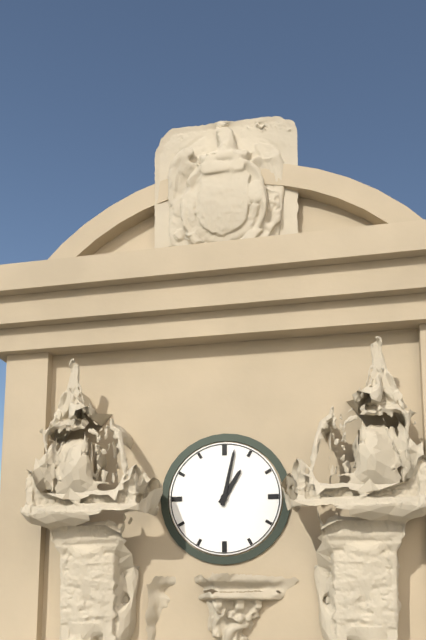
1:02
